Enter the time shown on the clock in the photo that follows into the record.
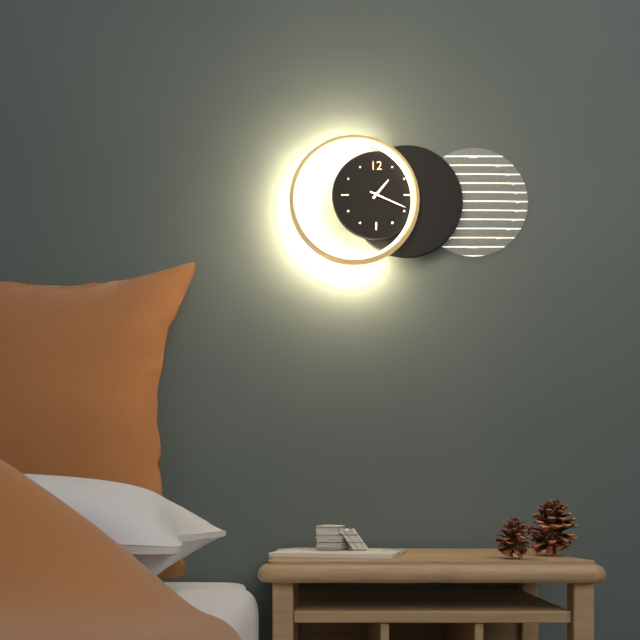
1:19
